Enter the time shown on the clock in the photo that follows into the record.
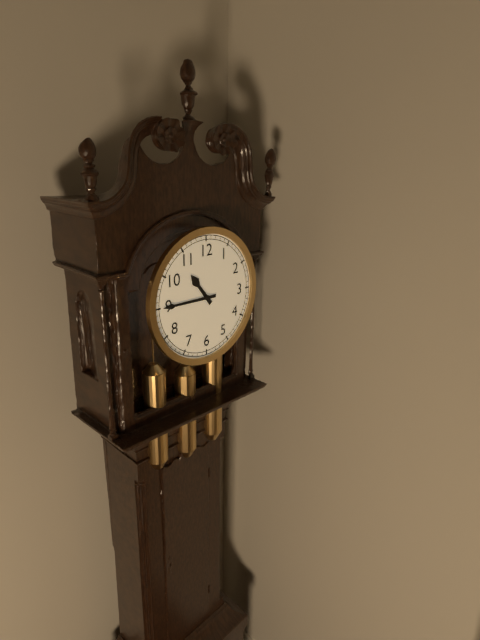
10:45
